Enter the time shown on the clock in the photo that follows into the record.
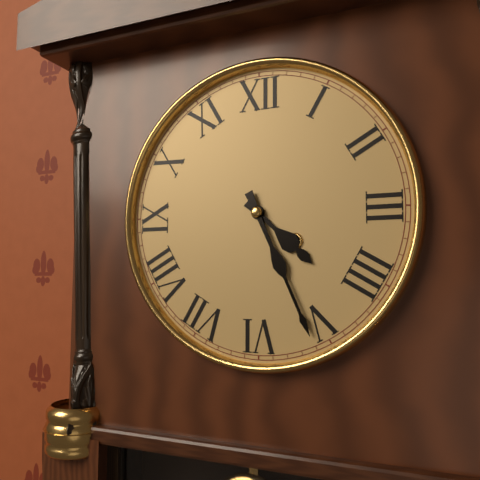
4:26
